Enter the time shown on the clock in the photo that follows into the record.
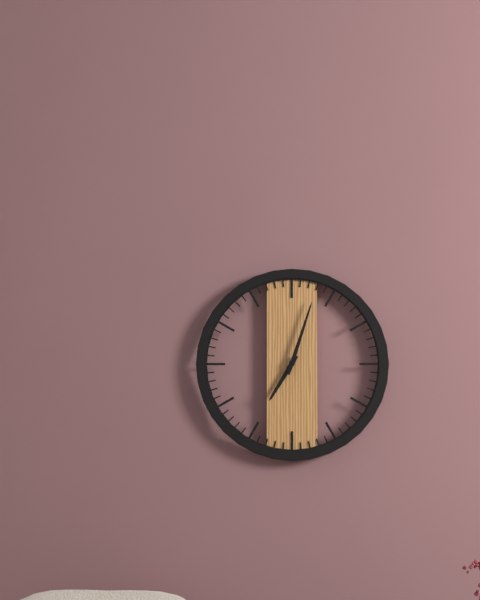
7:03
